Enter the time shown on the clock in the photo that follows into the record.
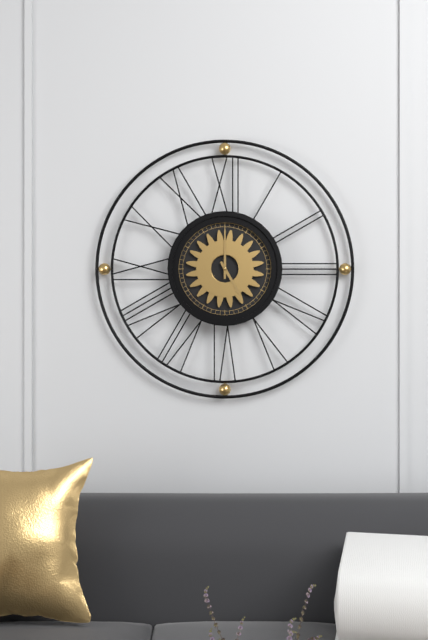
5:00
